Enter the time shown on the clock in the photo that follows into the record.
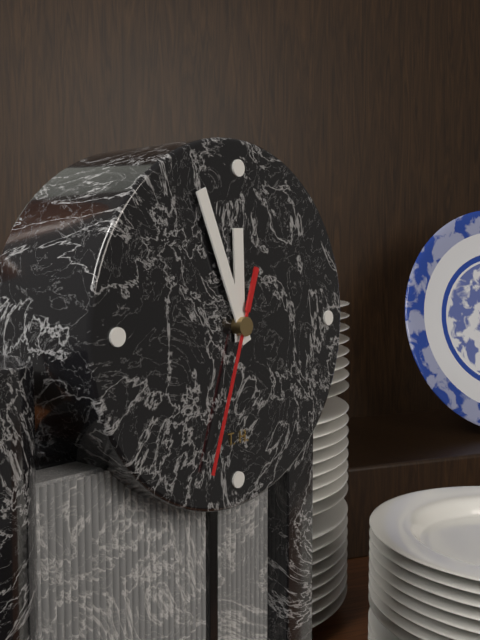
11:56:33
